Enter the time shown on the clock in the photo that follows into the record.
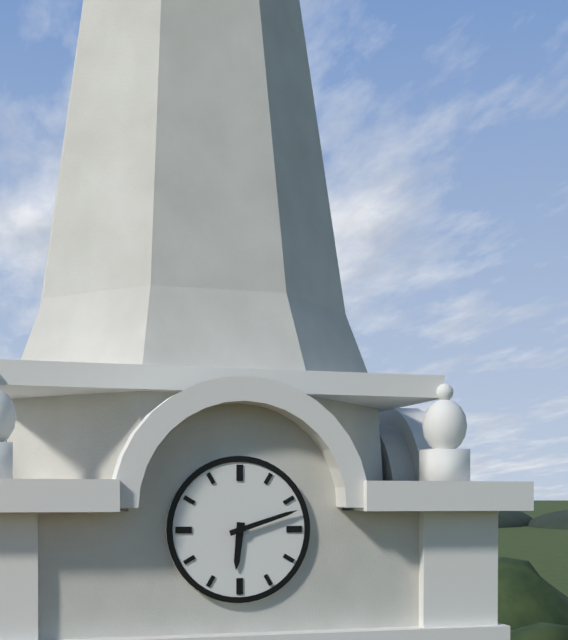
6:12
